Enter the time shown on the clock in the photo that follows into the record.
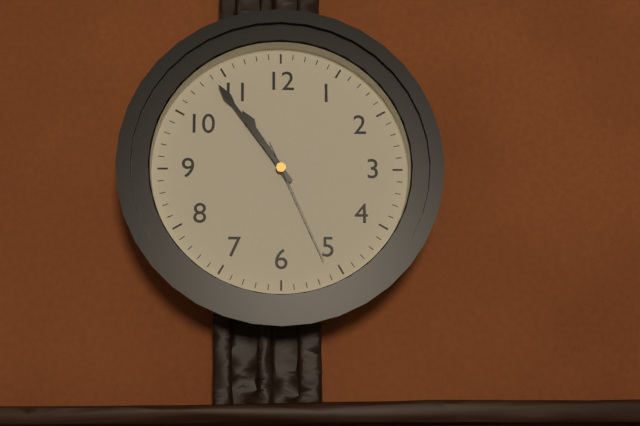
10:54:26
